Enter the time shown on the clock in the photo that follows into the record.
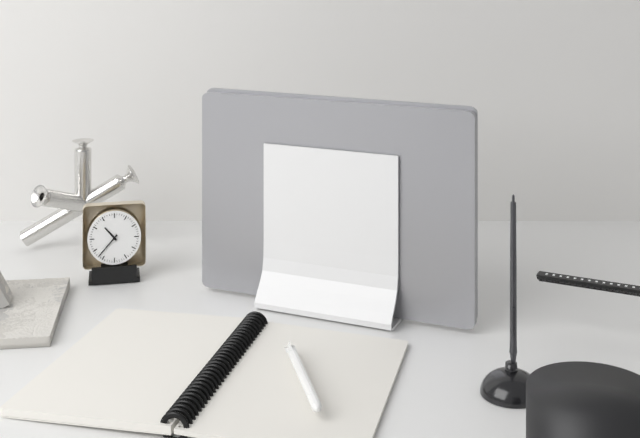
10:37
